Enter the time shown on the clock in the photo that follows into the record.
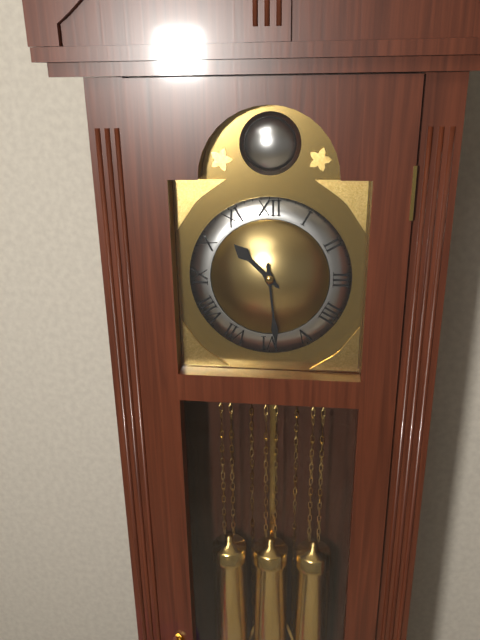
10:29
